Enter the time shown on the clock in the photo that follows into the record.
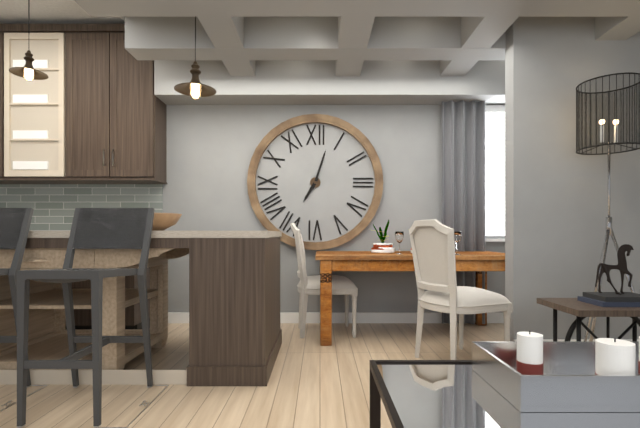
7:03
